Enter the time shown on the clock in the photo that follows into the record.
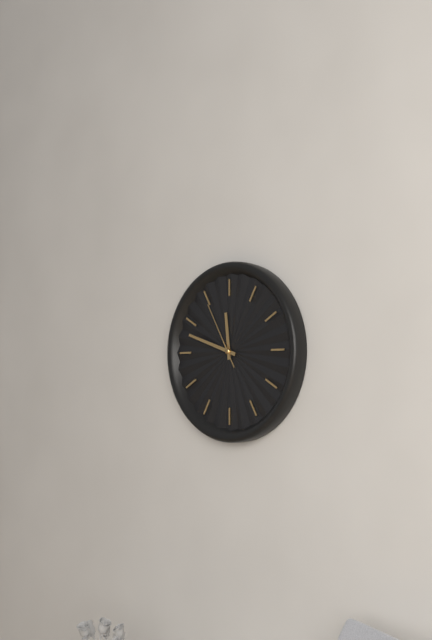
11:48:55
